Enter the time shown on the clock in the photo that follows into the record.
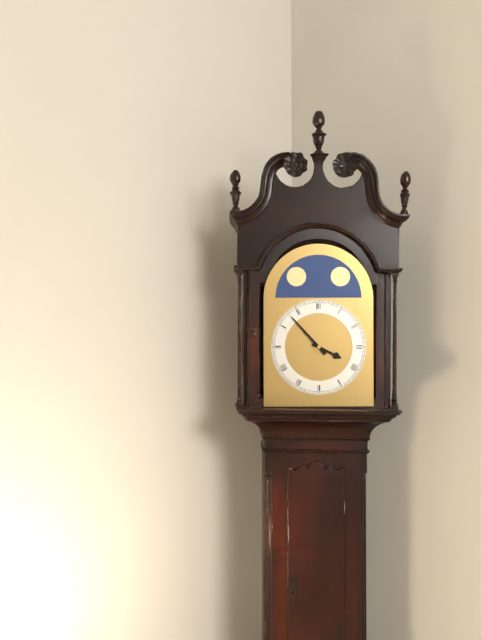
3:53
